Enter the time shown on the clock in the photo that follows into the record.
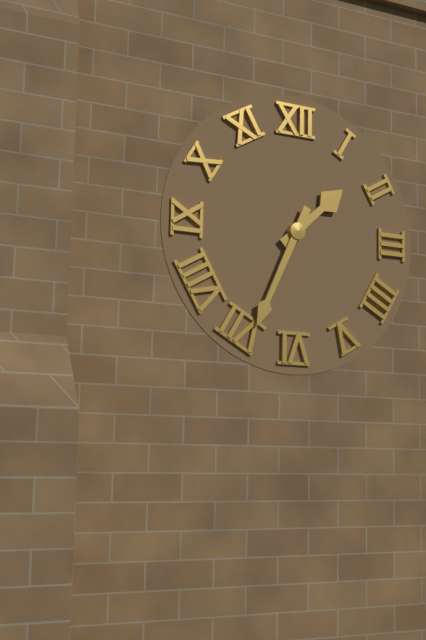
1:34
